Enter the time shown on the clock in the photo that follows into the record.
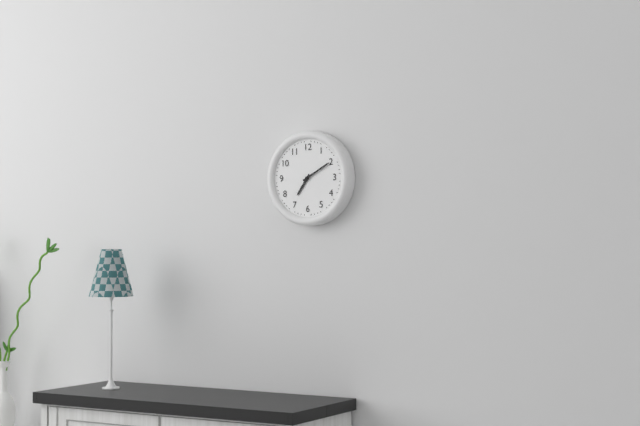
7:10
